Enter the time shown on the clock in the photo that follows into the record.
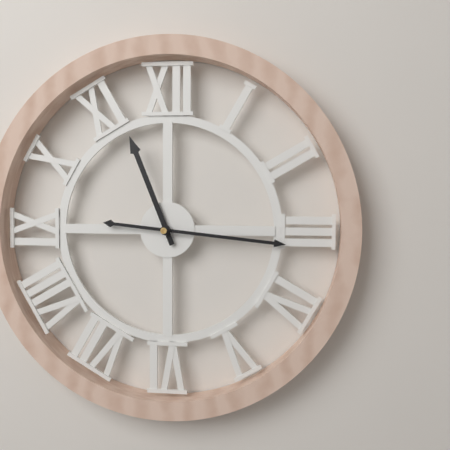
11:16
